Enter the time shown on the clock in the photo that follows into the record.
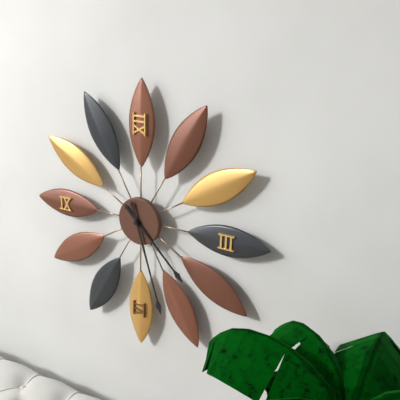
4:27
